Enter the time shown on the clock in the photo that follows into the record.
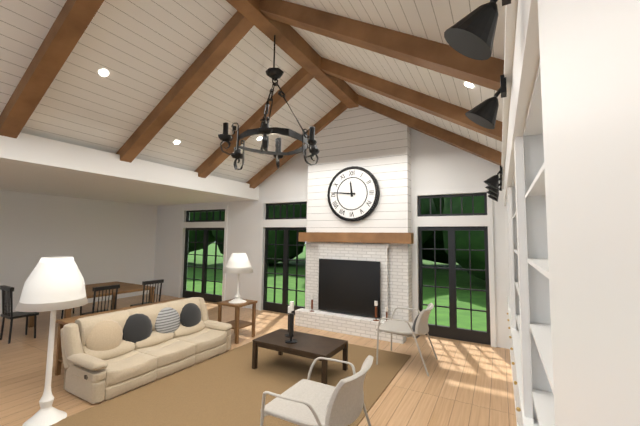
11:46
